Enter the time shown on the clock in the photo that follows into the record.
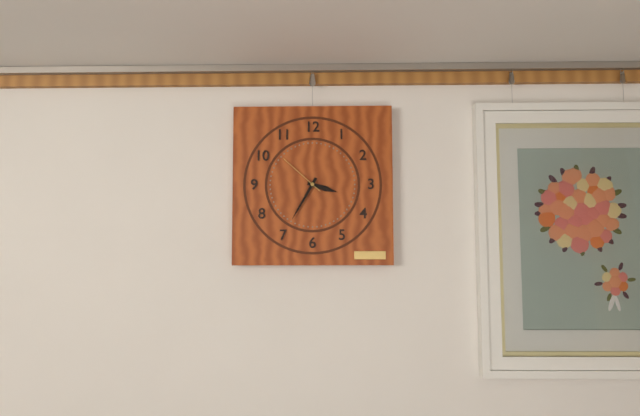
3:35
